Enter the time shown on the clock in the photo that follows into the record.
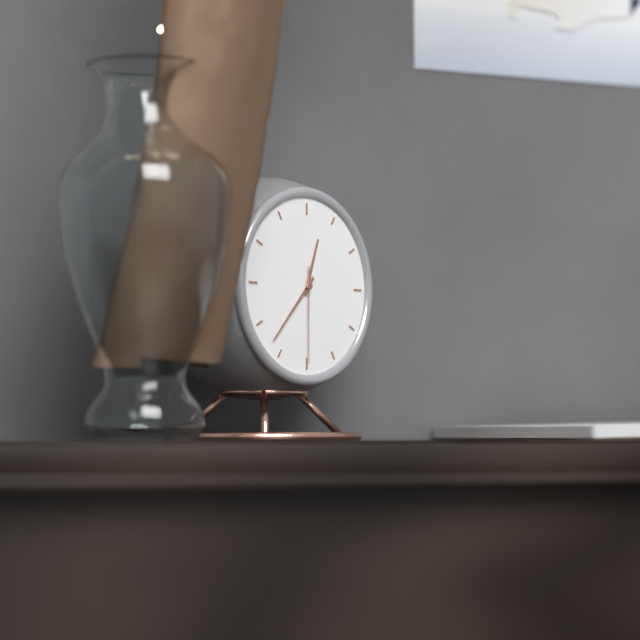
12:37:30
